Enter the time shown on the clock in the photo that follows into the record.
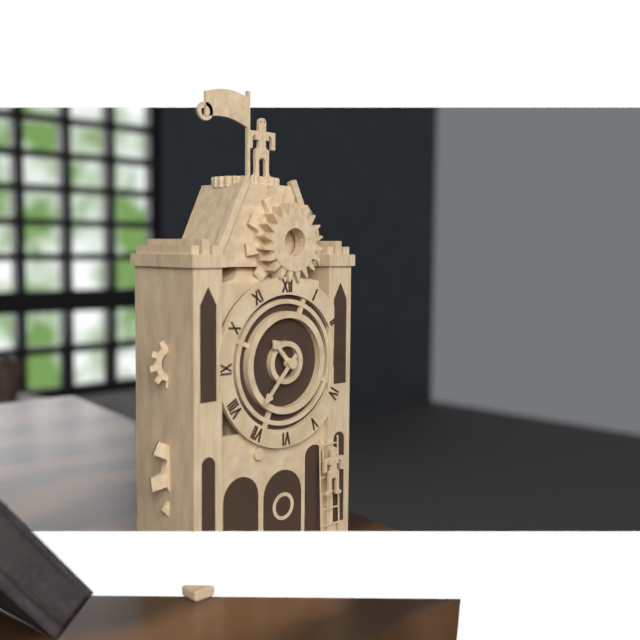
10:37
